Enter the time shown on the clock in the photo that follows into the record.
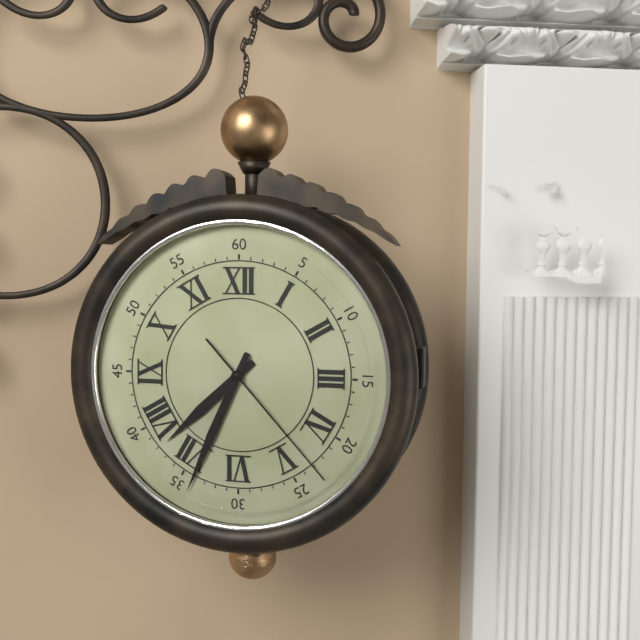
7:34:23
